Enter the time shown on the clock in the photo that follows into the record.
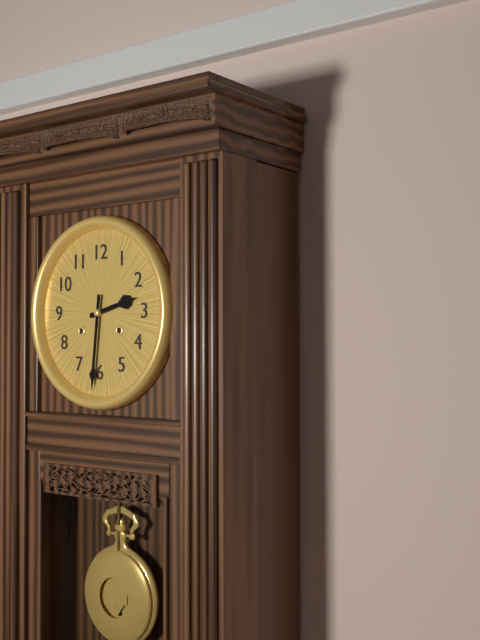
2:31
